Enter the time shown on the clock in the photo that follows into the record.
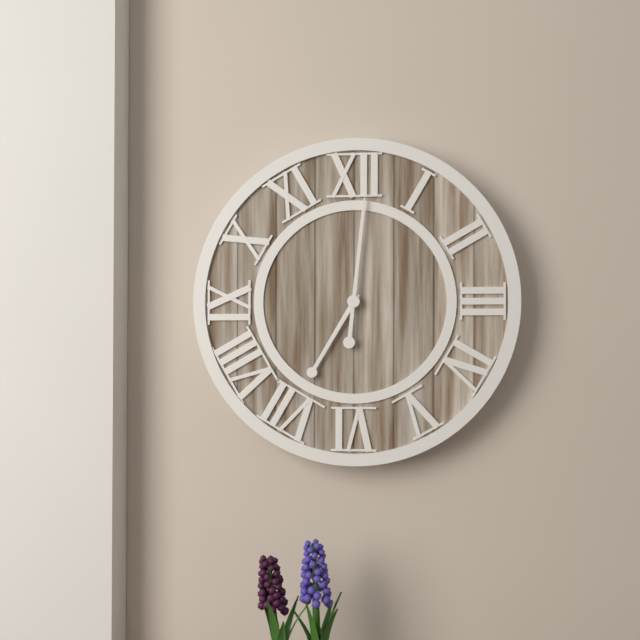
7:01
